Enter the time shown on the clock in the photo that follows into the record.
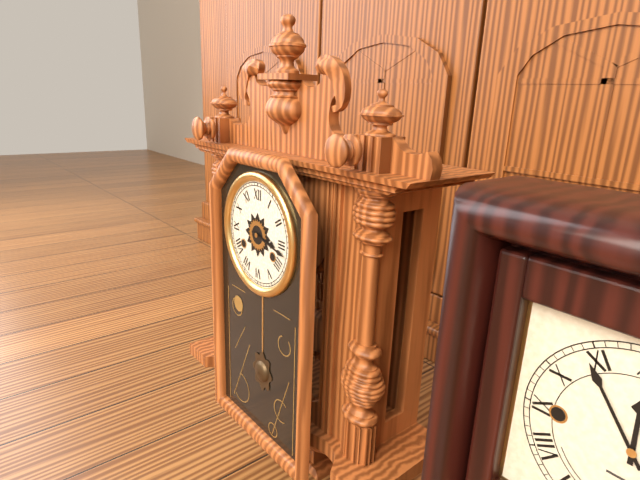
3:17
